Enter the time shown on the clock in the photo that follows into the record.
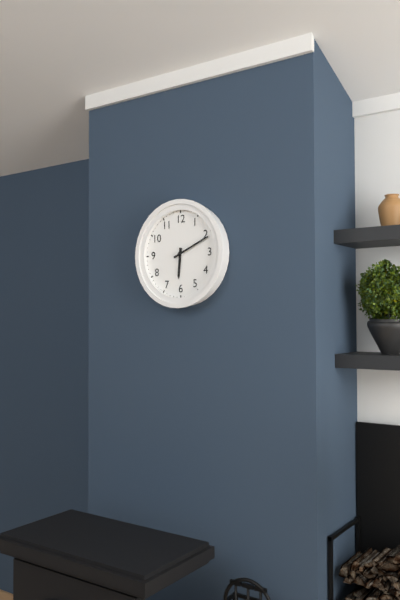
6:11
